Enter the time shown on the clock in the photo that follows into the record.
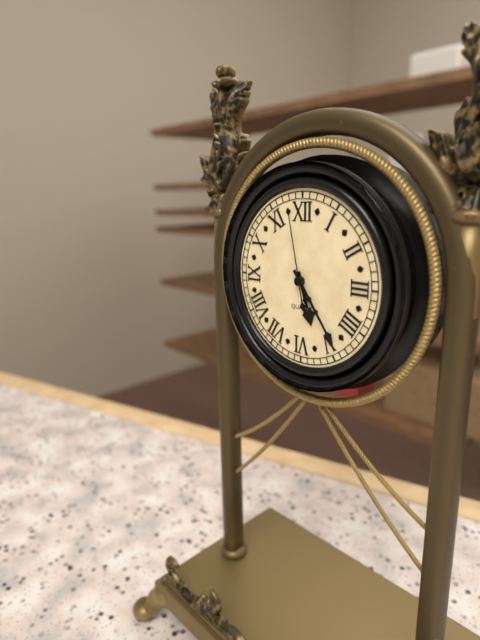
5:24:58
